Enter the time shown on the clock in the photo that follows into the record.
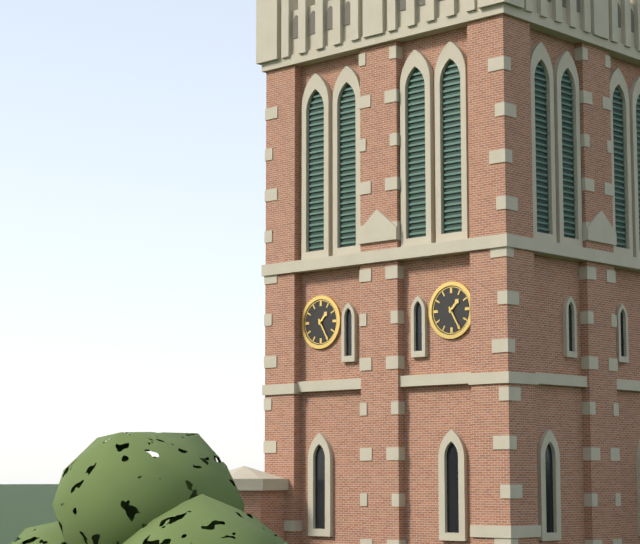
1:25
